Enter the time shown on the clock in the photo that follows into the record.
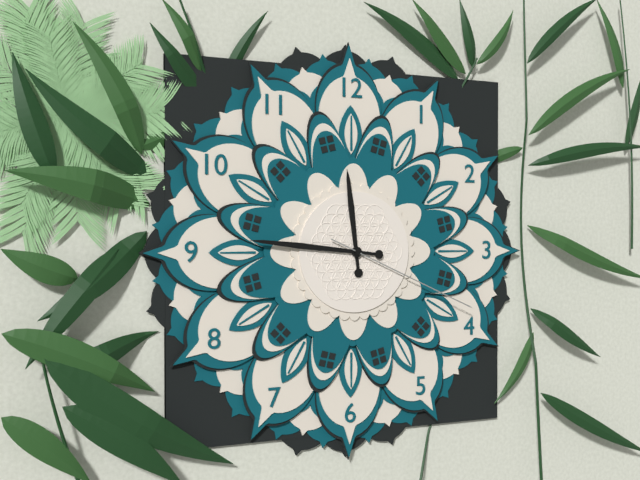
11:46:19
